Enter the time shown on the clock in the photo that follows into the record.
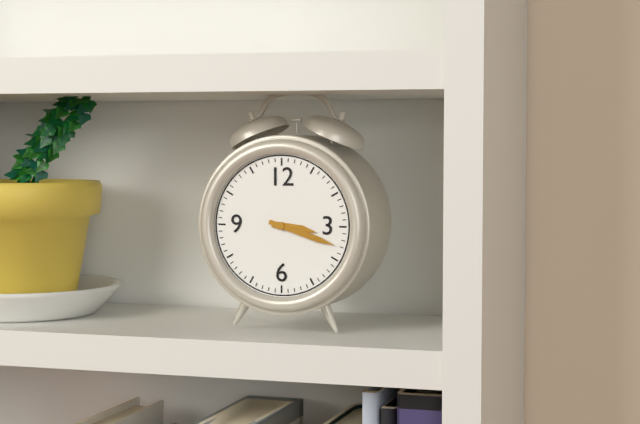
3:18
